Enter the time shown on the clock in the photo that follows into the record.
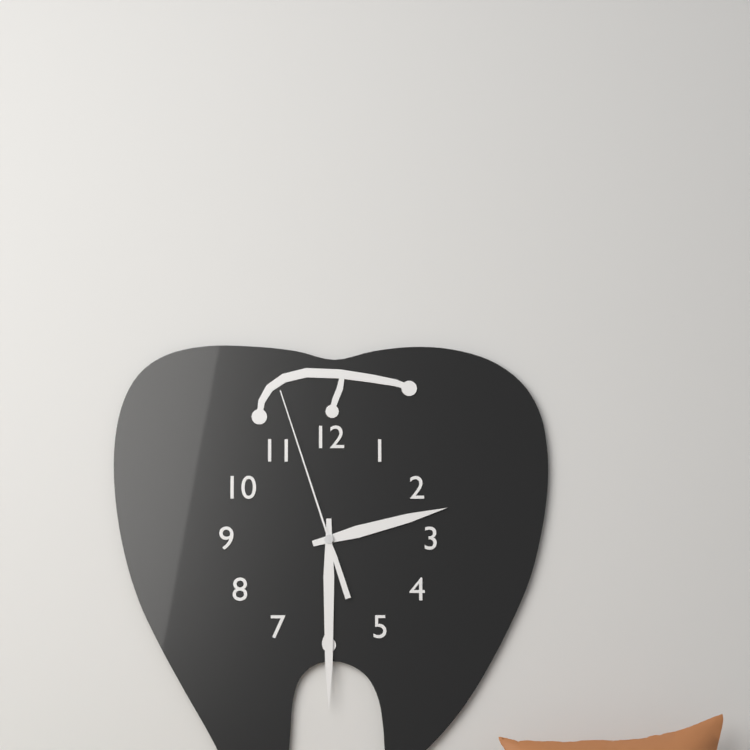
2:30:57
